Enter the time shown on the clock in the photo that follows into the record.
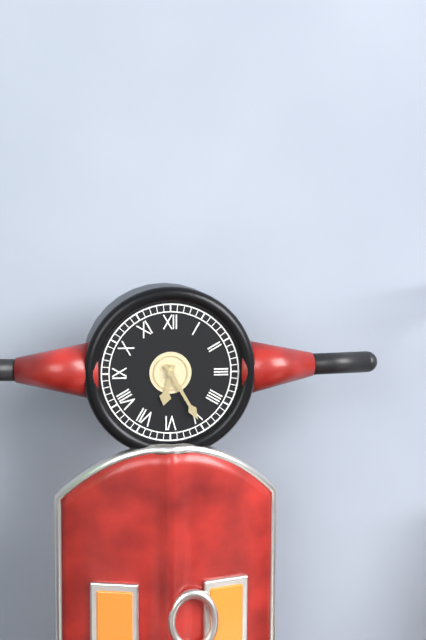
6:25
